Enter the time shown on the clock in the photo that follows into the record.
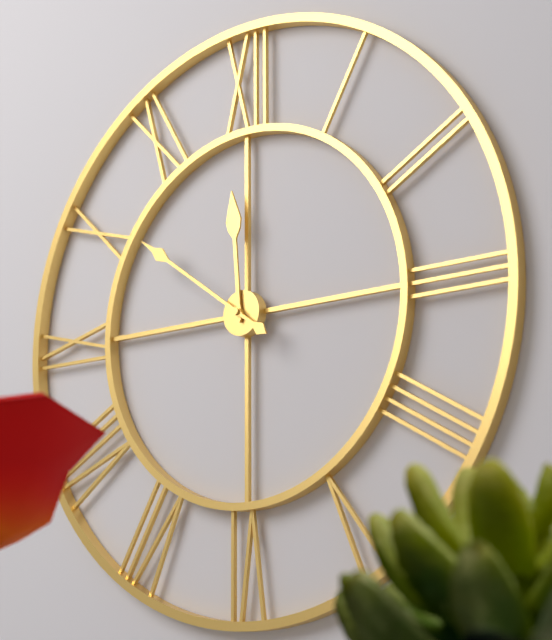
11:51
